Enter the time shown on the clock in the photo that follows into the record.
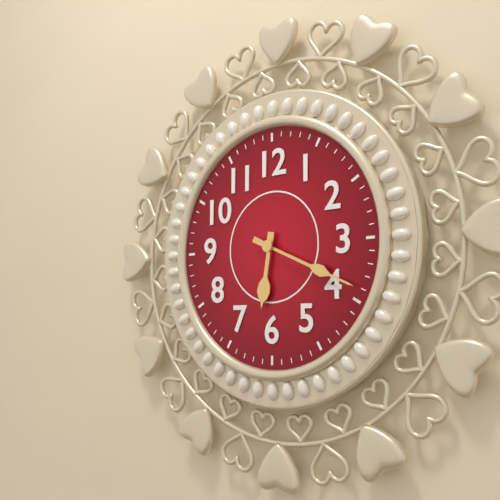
6:19
